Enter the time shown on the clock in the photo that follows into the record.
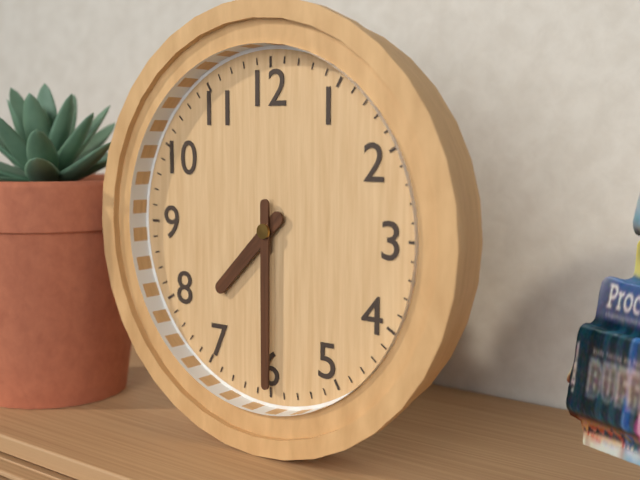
7:30
